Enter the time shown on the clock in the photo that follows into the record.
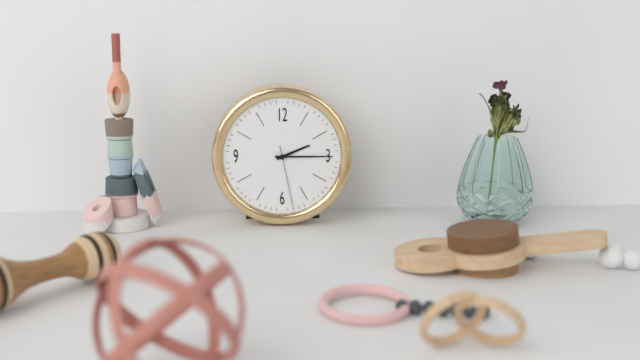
2:15:28
